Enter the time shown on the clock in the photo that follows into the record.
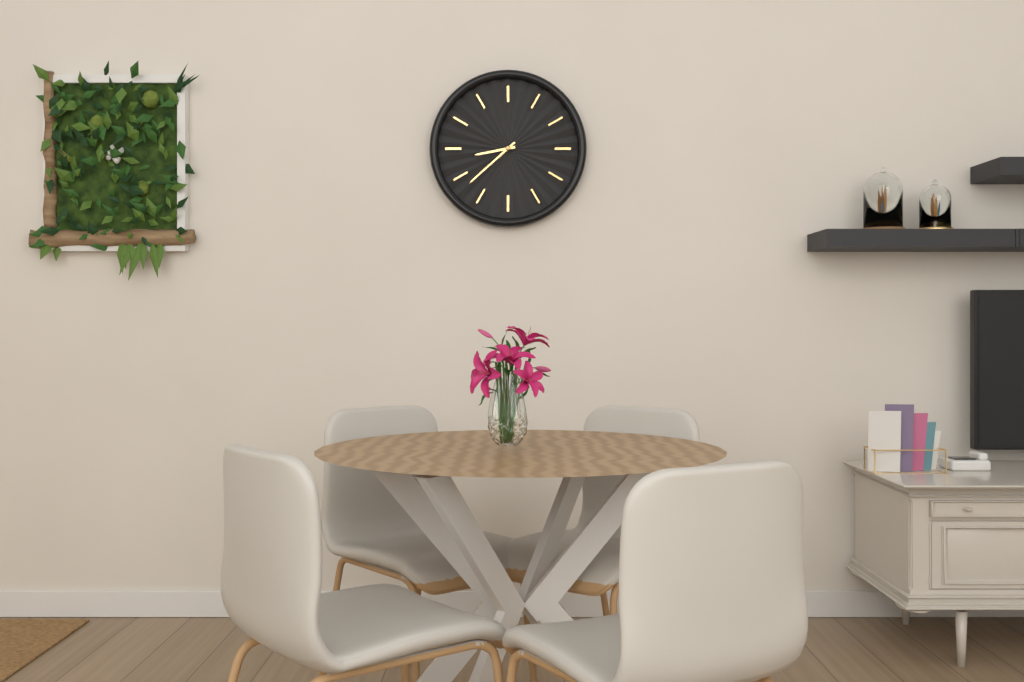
8:38
